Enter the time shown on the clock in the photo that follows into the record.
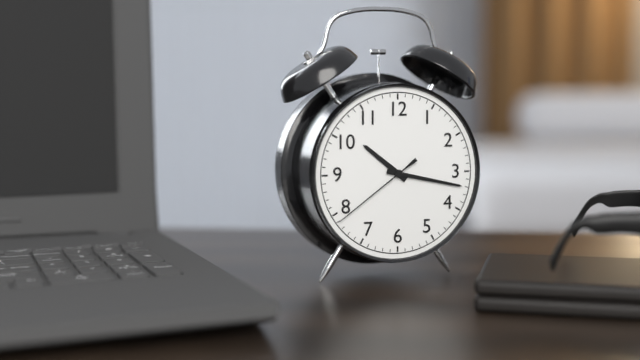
10:17:39
